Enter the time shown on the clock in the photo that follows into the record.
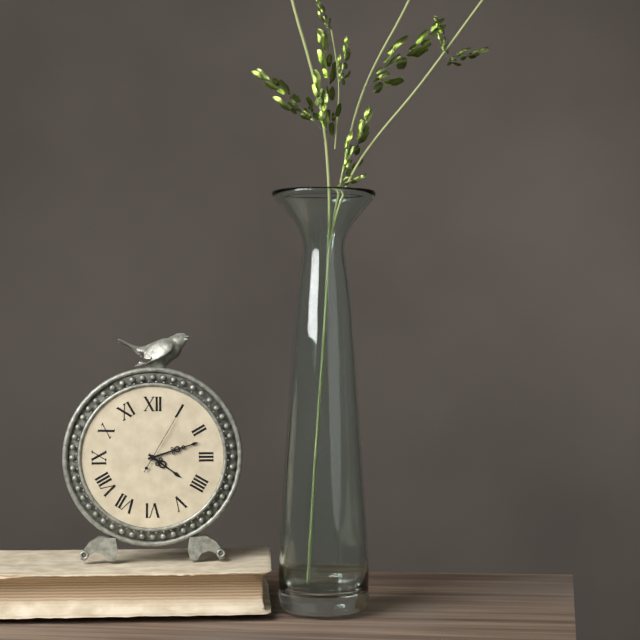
4:12:05
